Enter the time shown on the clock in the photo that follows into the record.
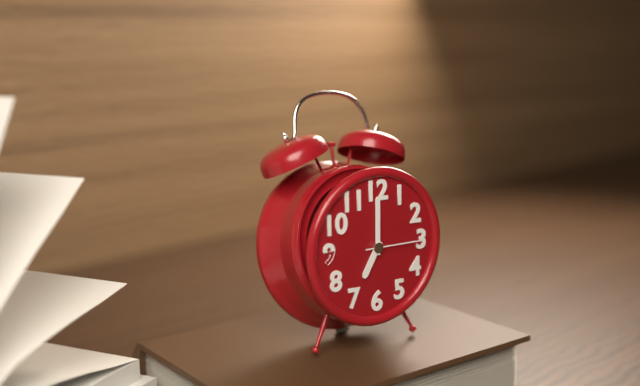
7:00:15
